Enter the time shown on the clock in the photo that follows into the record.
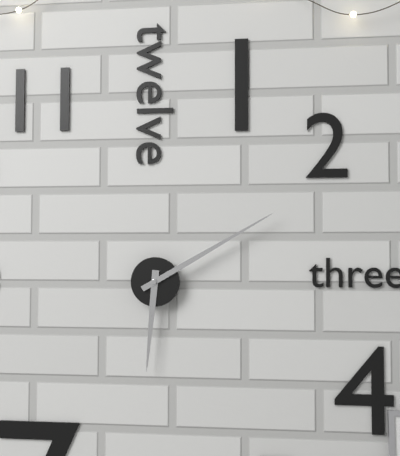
6:10
